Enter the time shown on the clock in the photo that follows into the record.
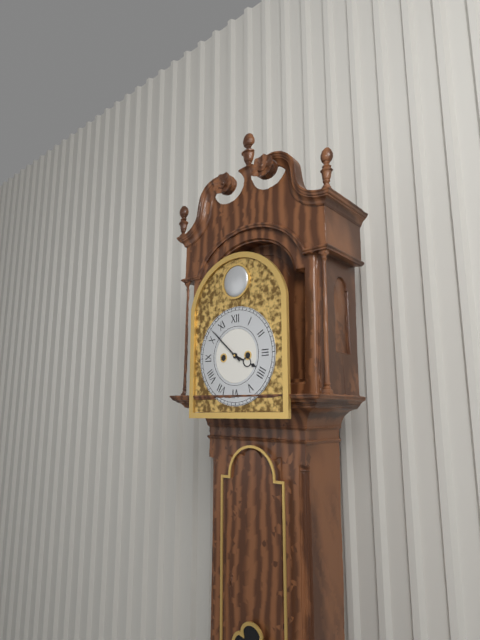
3:52
